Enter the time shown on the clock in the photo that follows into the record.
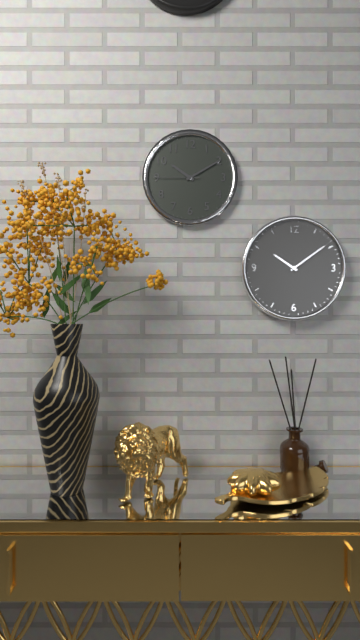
10:10
